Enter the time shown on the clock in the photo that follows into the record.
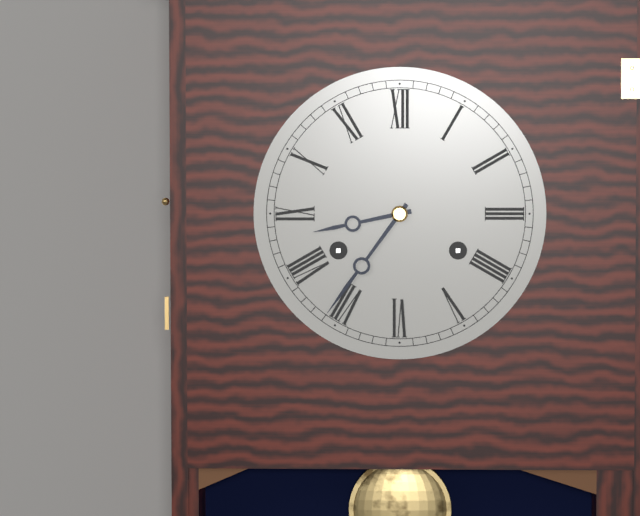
8:36
